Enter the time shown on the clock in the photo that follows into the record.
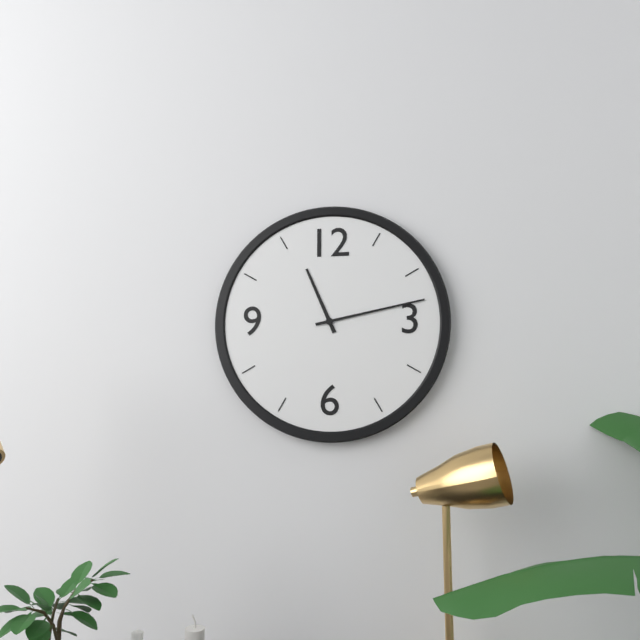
11:13
